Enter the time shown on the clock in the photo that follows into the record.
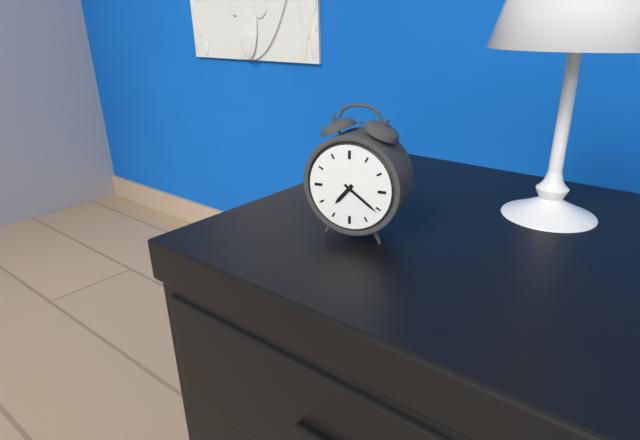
7:21
